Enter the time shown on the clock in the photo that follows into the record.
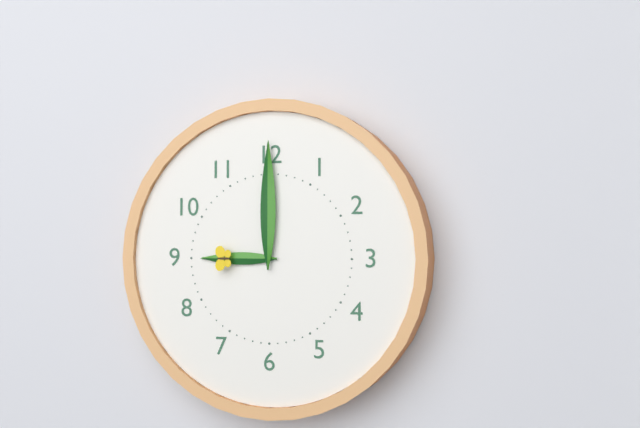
9:00
